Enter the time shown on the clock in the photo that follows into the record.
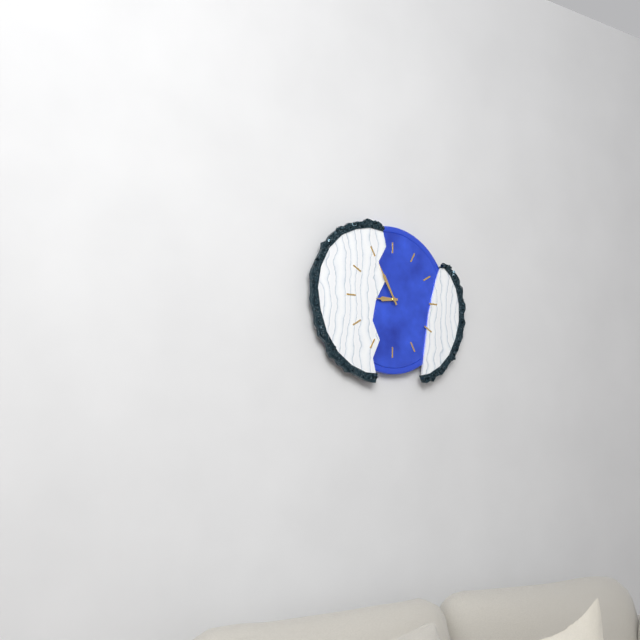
8:55
